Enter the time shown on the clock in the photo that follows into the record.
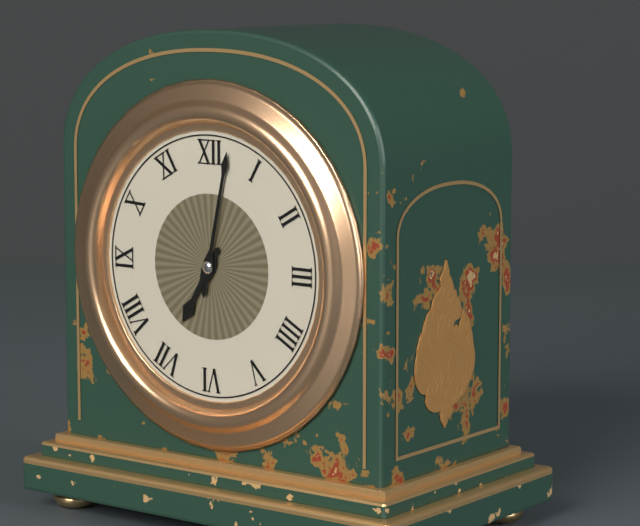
7:02
